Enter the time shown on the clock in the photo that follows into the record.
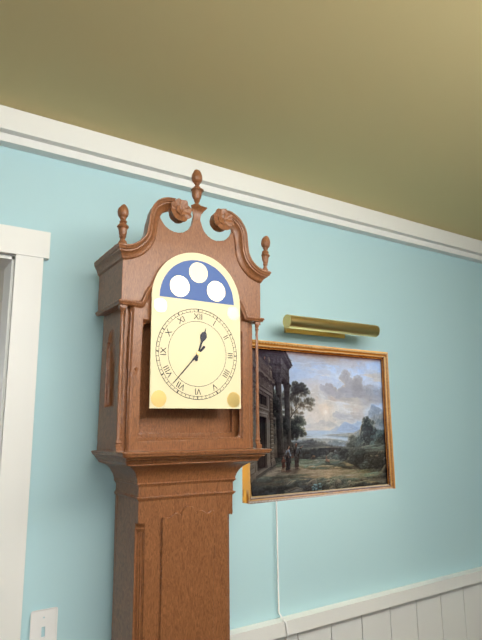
12:37
